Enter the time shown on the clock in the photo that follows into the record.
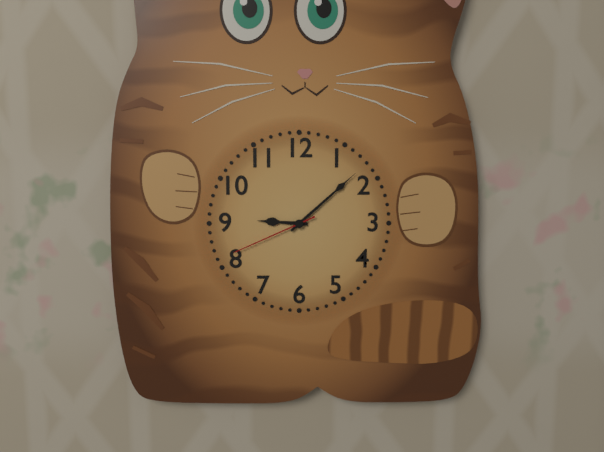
9:08:41
